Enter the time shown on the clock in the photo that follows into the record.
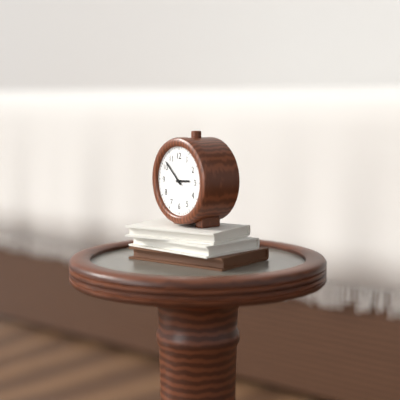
2:52
